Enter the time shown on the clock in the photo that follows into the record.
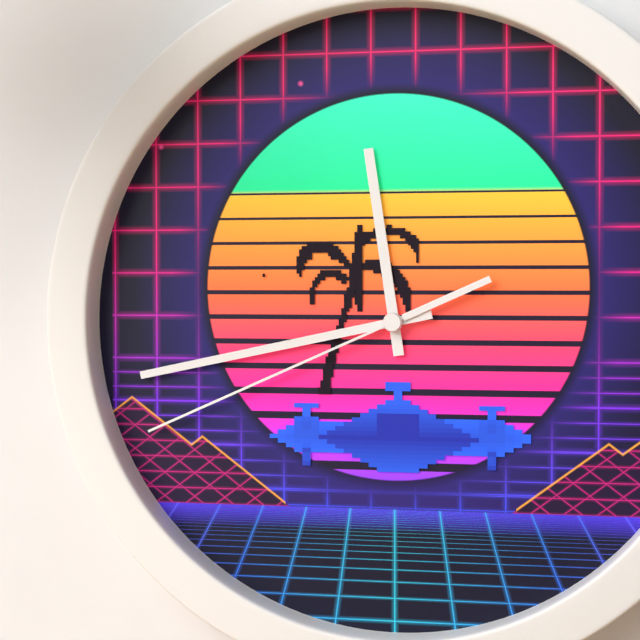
11:43:41
